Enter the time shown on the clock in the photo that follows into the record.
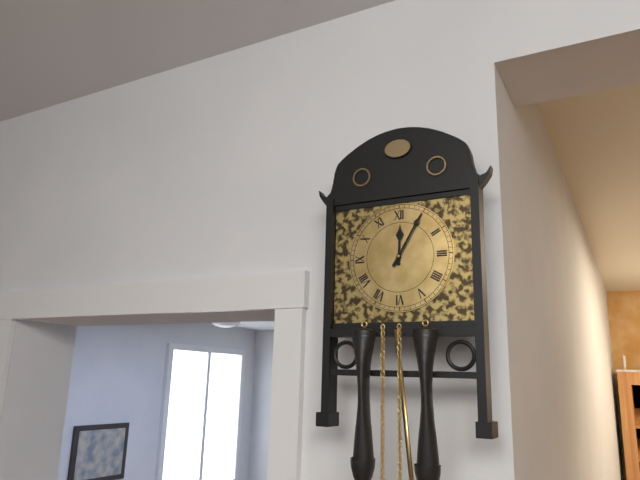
12:05
